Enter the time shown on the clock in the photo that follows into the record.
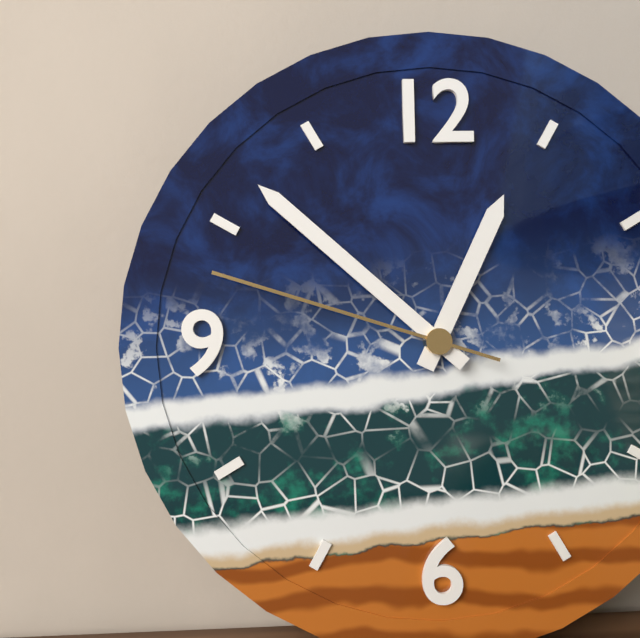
12:52:48
